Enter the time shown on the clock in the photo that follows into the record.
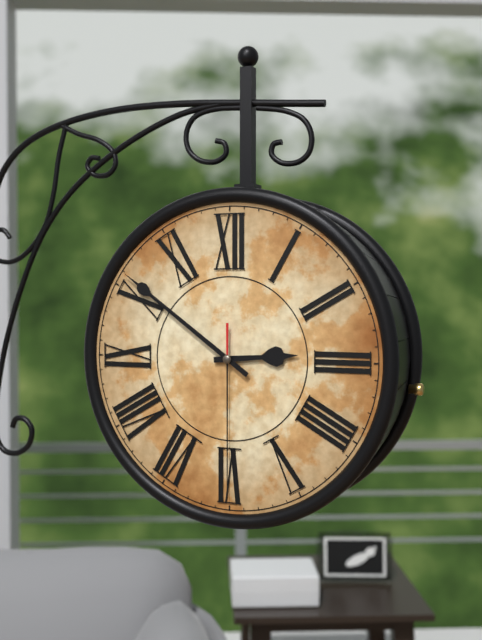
2:51:30
